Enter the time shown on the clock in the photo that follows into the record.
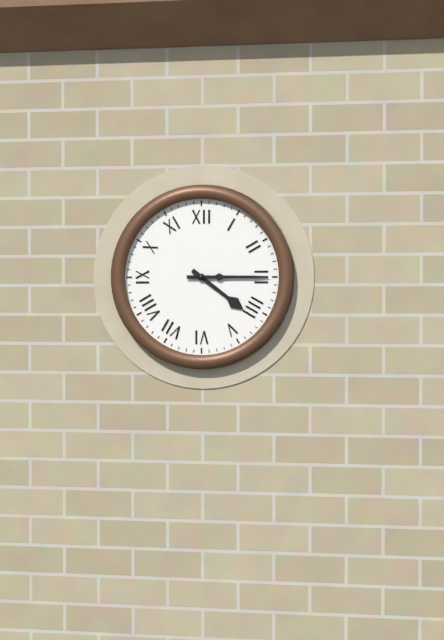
4:15
